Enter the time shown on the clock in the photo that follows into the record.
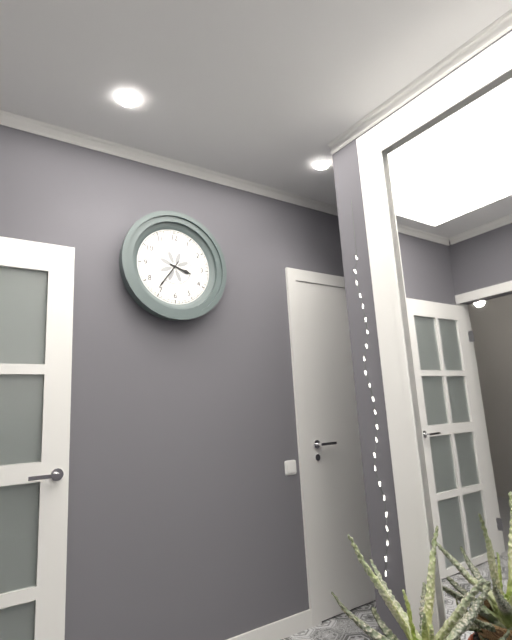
3:36
